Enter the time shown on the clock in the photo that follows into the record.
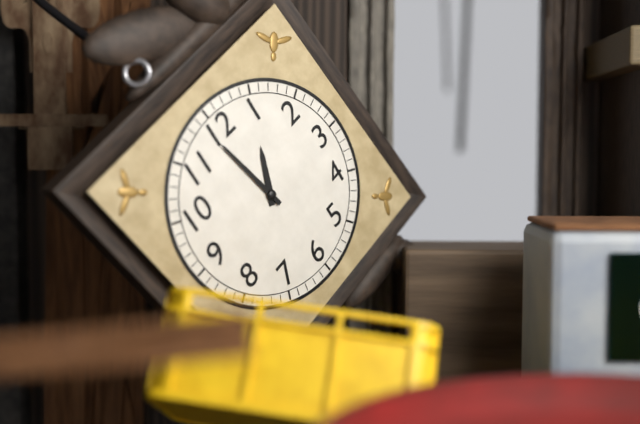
12:59
